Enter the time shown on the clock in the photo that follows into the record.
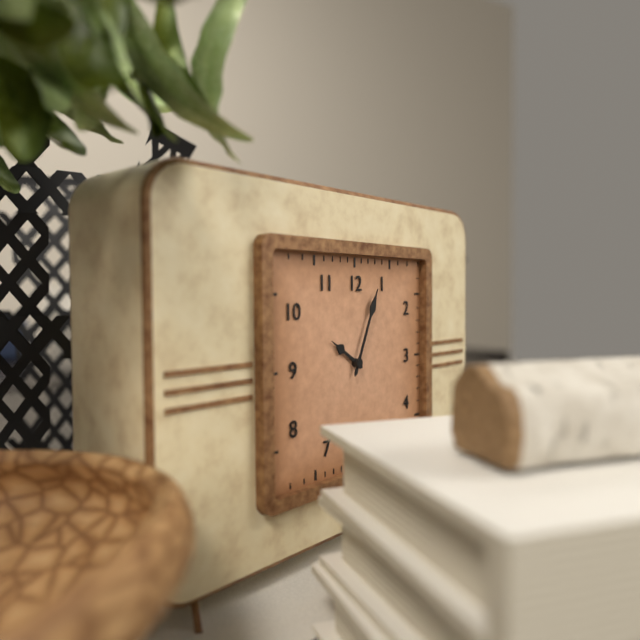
10:04
